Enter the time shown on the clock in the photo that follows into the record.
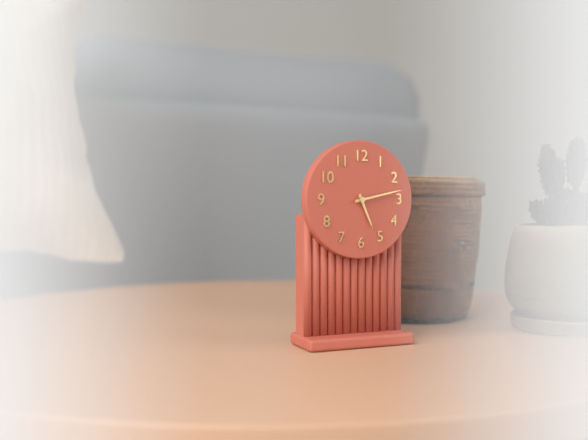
5:13
